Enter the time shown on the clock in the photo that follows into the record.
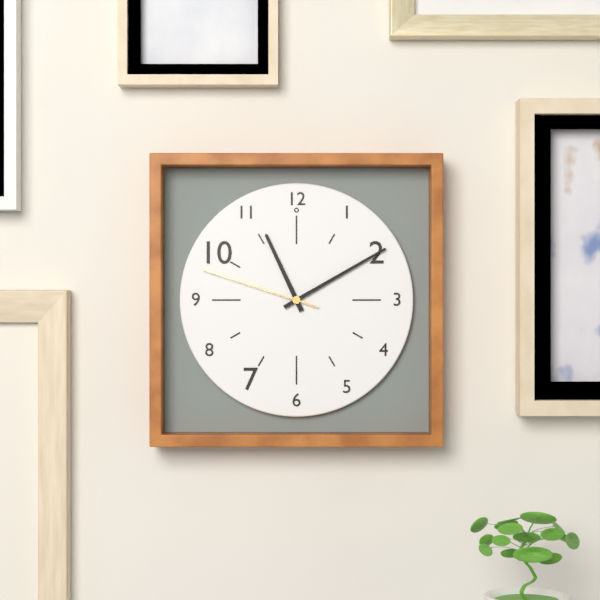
11:10:48
